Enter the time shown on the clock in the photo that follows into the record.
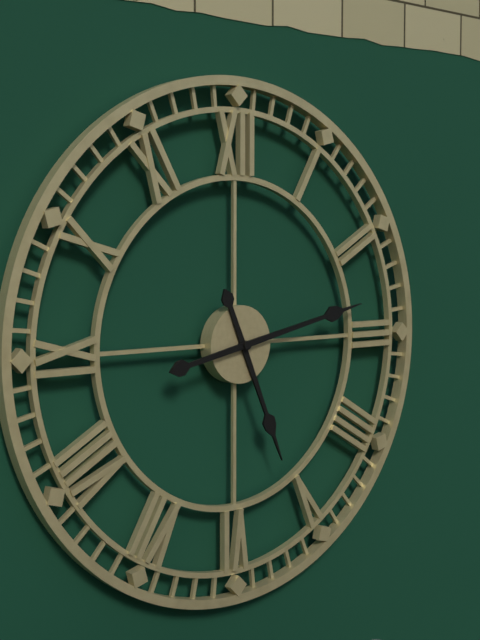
5:13
